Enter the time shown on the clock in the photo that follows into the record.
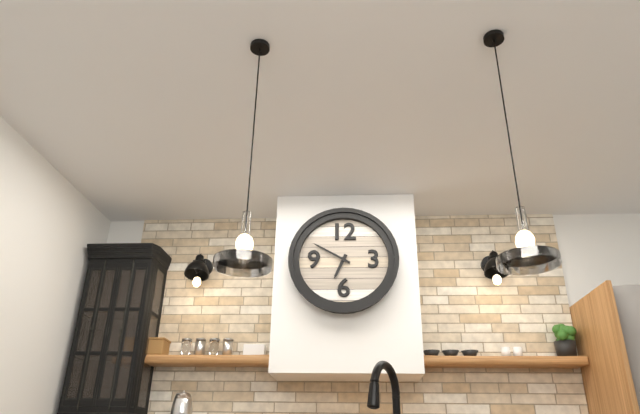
6:50
